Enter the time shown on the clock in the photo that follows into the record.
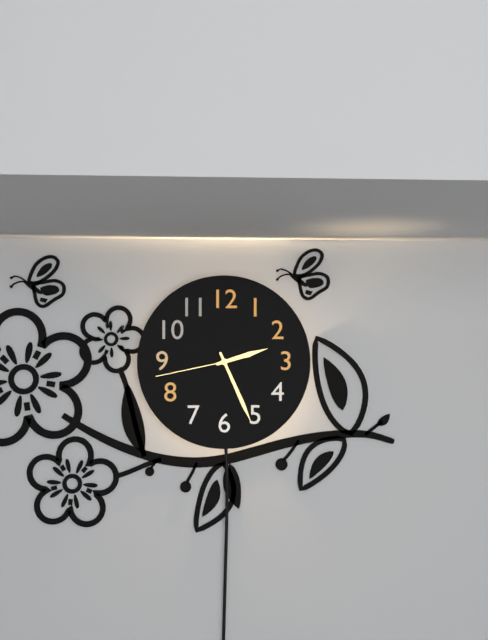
2:26:43
